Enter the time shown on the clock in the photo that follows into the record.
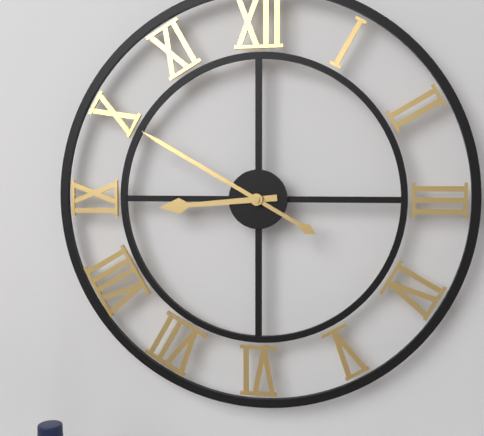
8:50
